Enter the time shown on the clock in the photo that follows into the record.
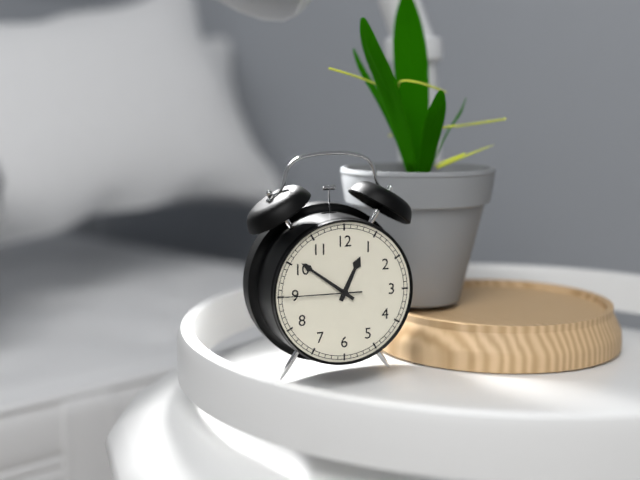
12:51:45
